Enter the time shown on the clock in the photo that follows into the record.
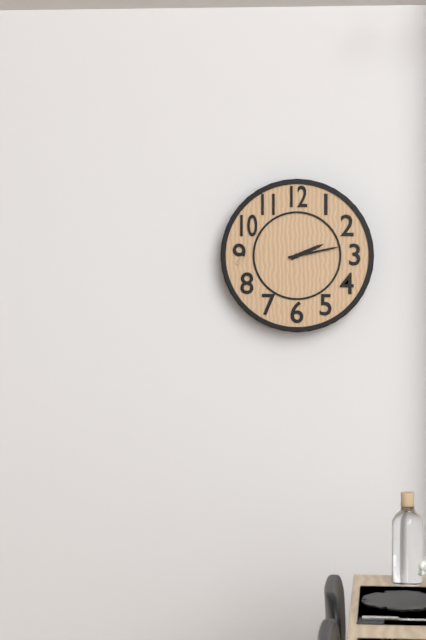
2:13
